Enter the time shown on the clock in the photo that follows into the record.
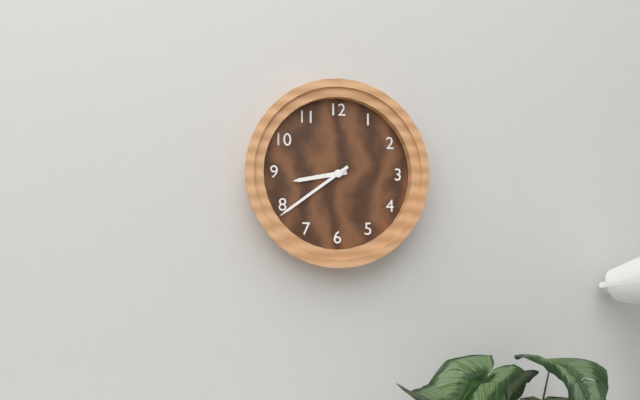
8:39
